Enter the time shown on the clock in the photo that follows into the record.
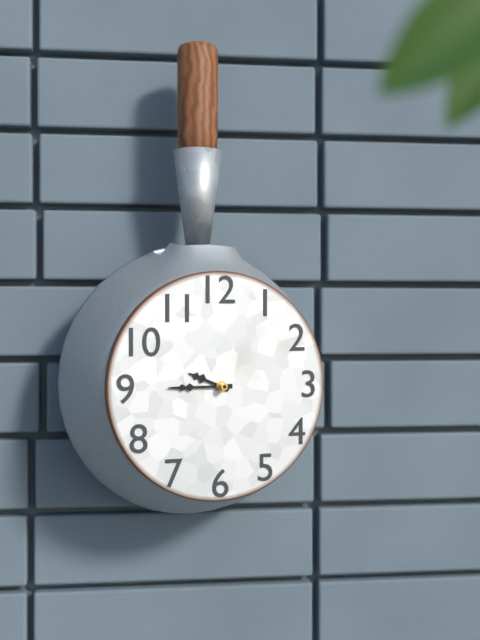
9:45
